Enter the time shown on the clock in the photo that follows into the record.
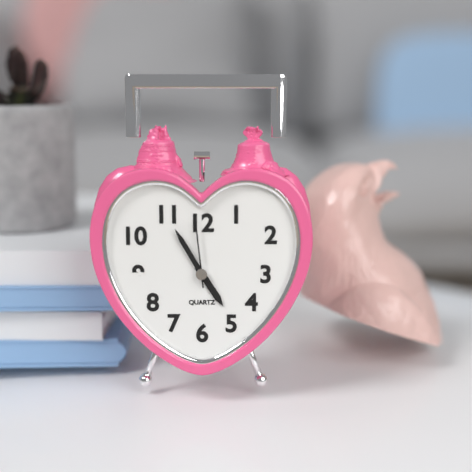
4:55:59
